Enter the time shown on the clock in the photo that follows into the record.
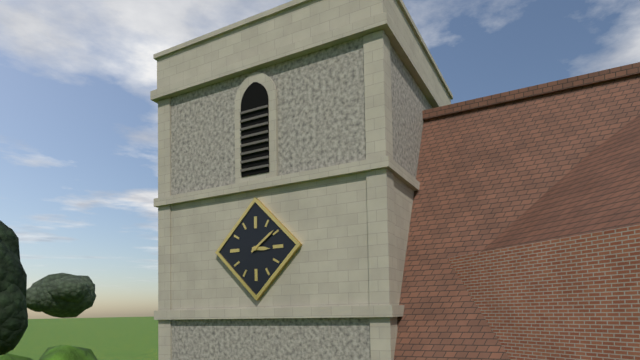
3:09
